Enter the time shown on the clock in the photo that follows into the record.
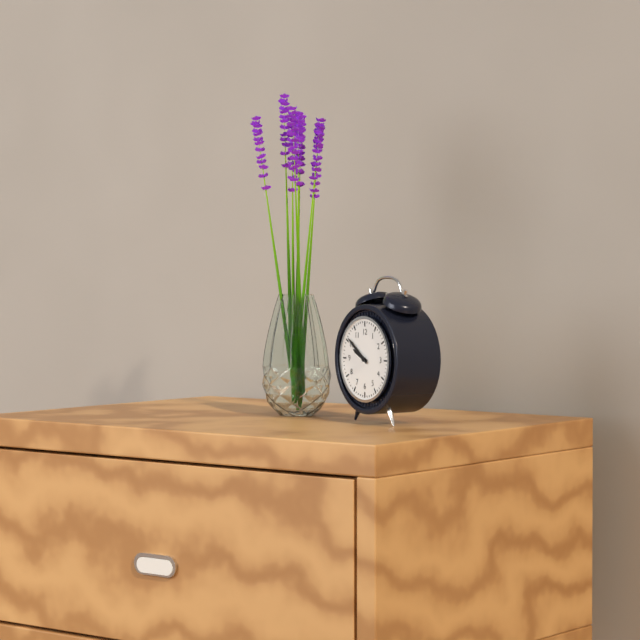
9:51
